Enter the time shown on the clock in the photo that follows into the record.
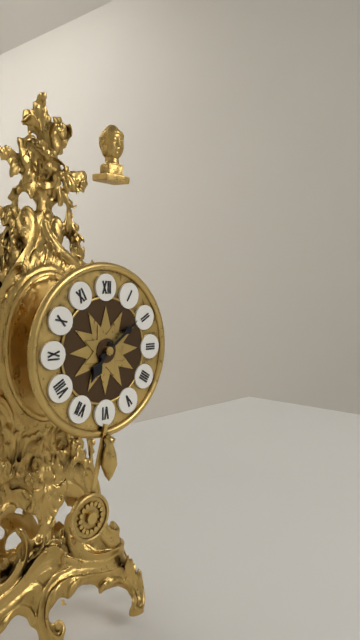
7:09
